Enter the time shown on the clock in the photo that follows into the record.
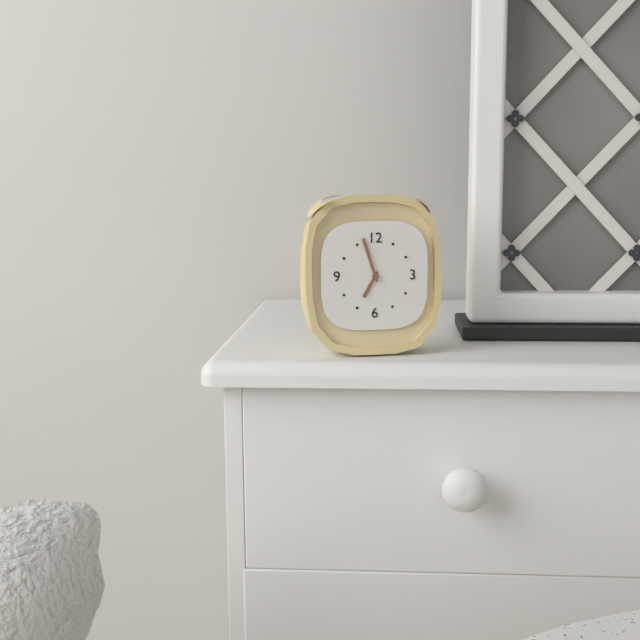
6:57
